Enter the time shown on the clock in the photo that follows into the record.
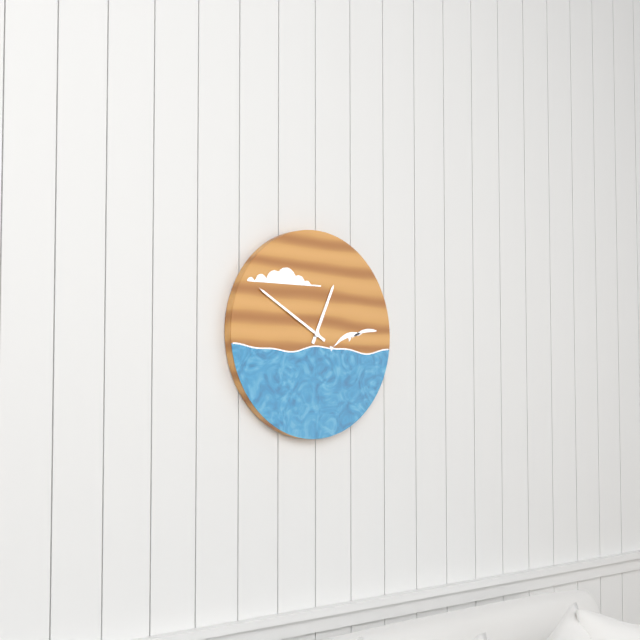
12:50
